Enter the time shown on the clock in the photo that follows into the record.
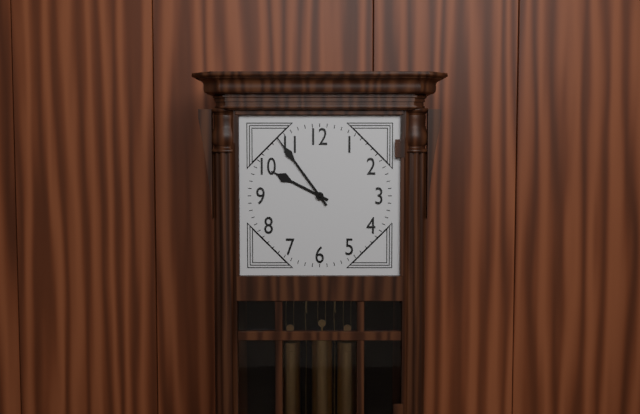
9:54
